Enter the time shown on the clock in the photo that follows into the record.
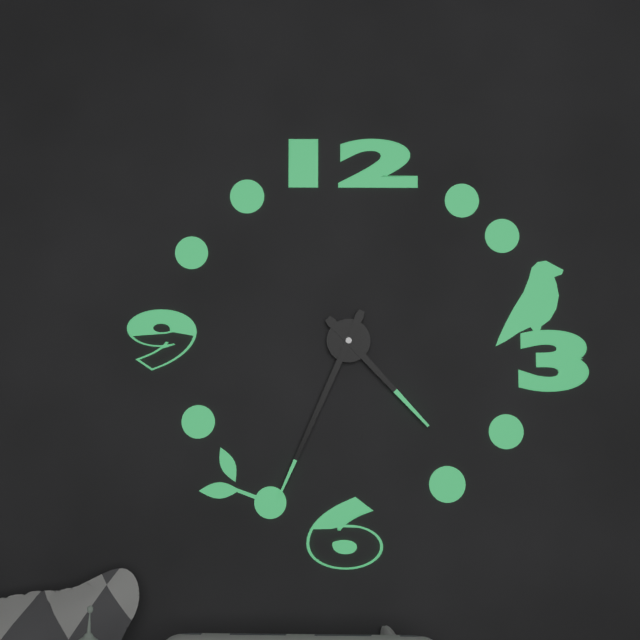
4:34
